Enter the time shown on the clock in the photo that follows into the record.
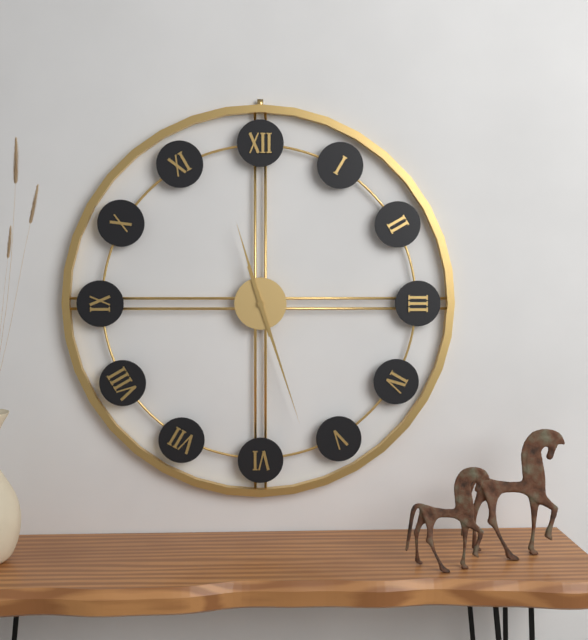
11:27
